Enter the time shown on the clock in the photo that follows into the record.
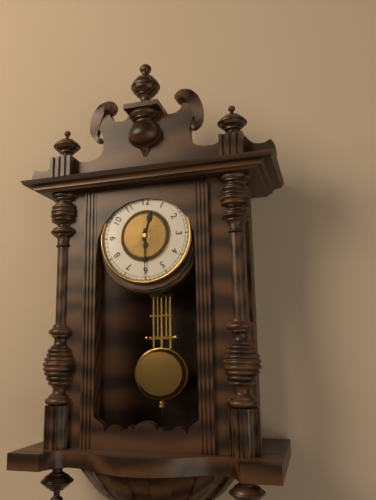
12:30
